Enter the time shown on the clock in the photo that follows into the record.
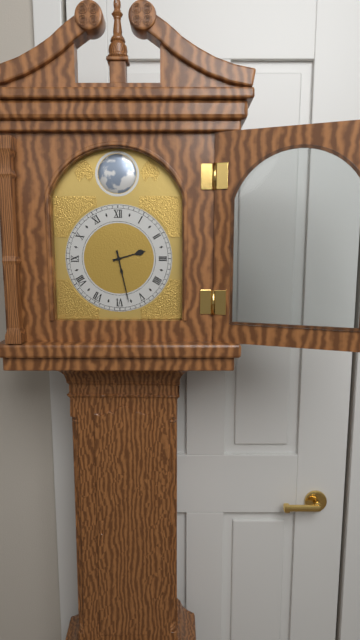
2:28
